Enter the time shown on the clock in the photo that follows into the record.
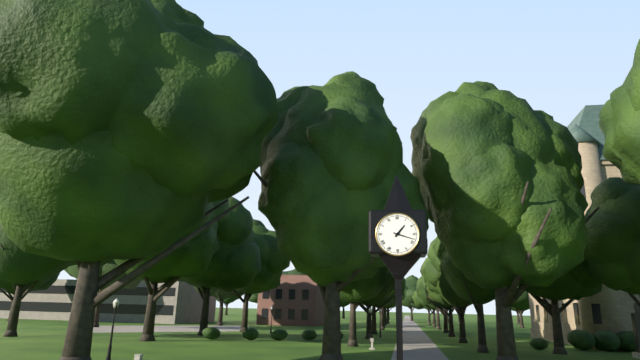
1:18
